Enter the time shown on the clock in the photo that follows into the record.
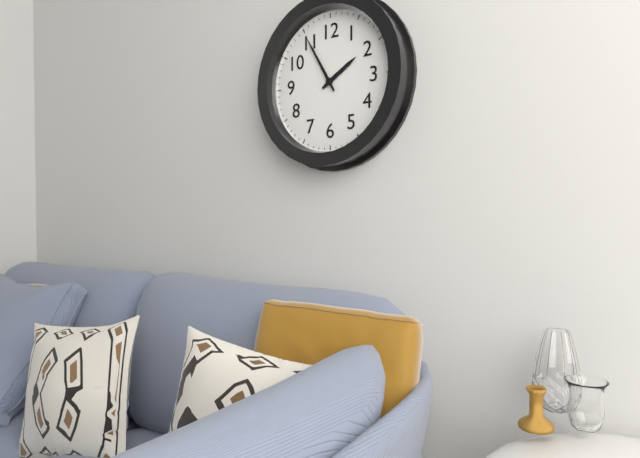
1:55
